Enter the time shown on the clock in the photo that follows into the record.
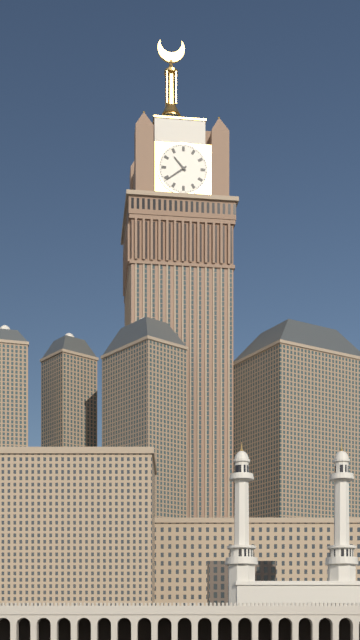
10:39
